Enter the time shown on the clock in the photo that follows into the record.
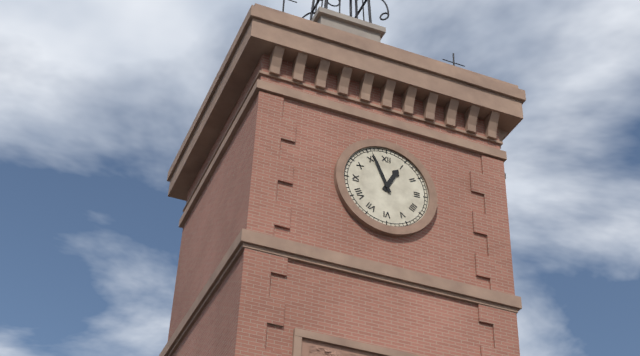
12:56
